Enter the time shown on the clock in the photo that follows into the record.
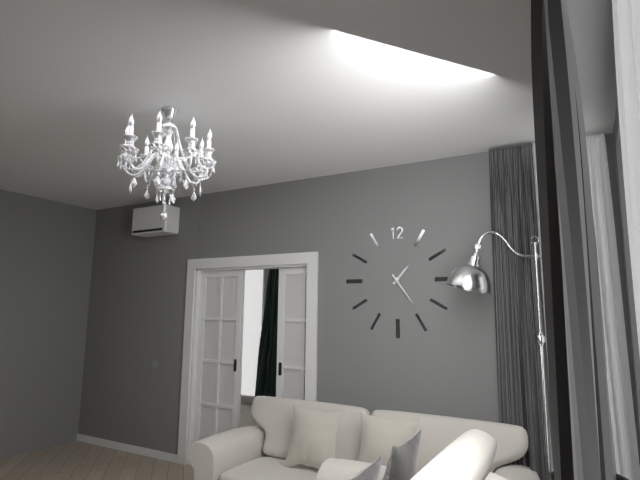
1:24
